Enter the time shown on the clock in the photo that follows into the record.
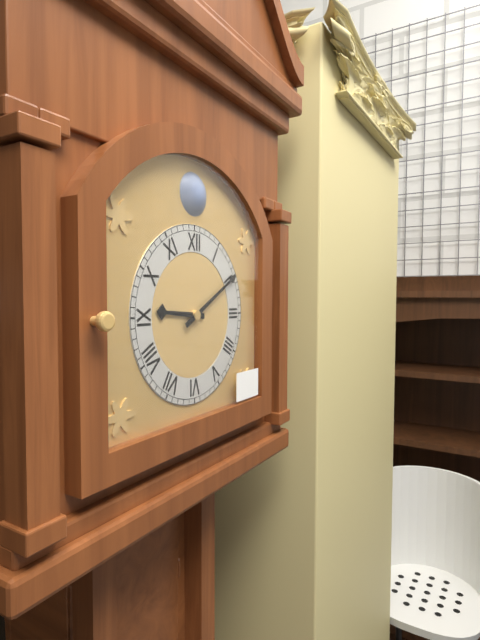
9:10
